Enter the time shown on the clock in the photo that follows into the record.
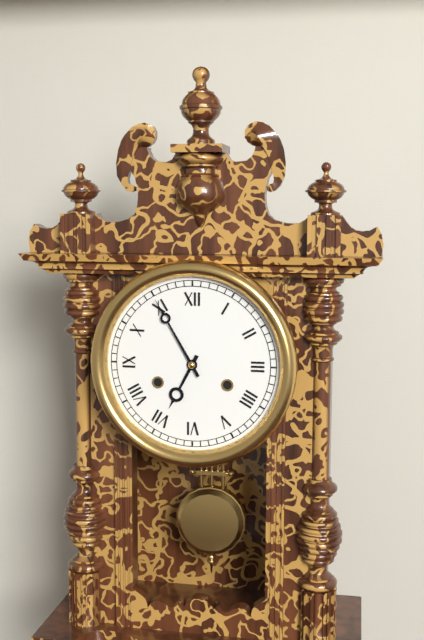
6:55
